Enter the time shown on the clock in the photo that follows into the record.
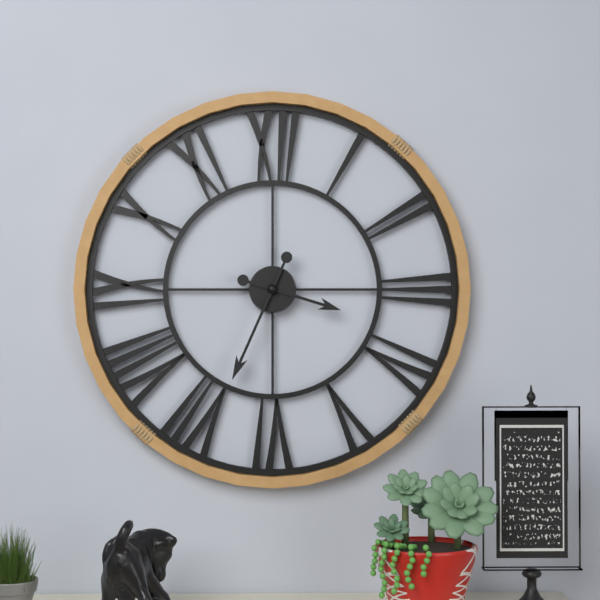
3:34
